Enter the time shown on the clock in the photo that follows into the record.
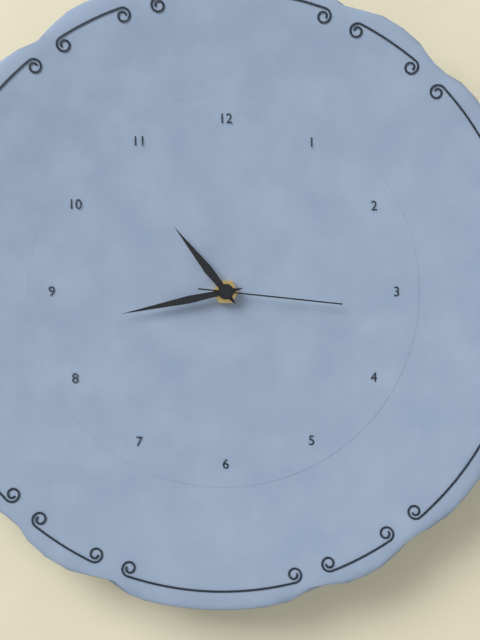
10:43:16
